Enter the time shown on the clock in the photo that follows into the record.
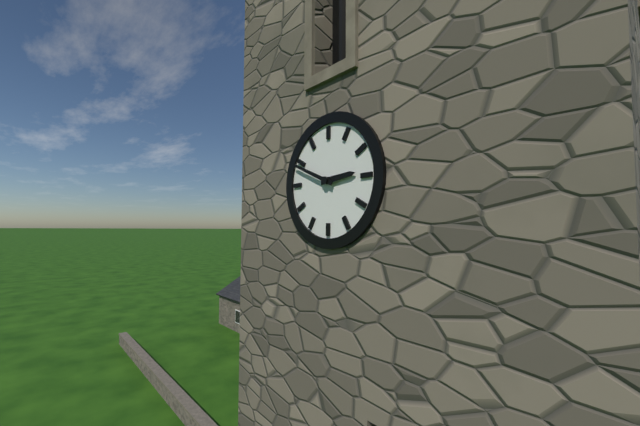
2:49
